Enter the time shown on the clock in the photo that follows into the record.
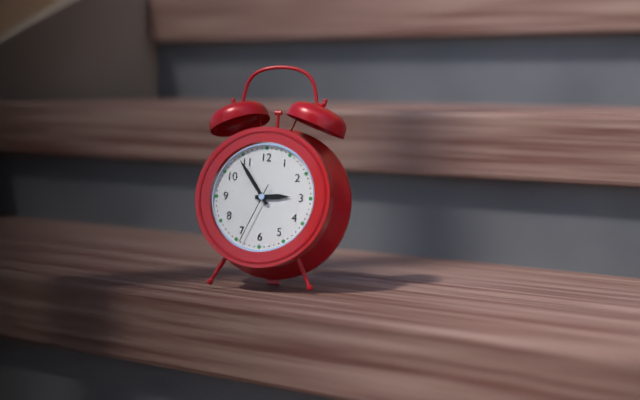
2:54:34
